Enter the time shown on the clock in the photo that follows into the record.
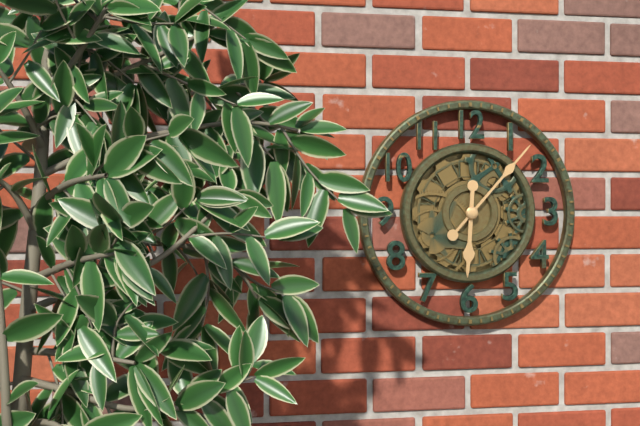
6:07
